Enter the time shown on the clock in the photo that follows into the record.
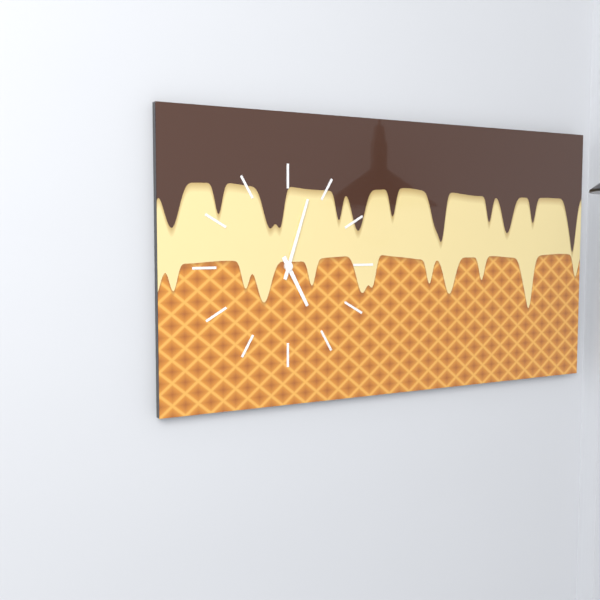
5:03
